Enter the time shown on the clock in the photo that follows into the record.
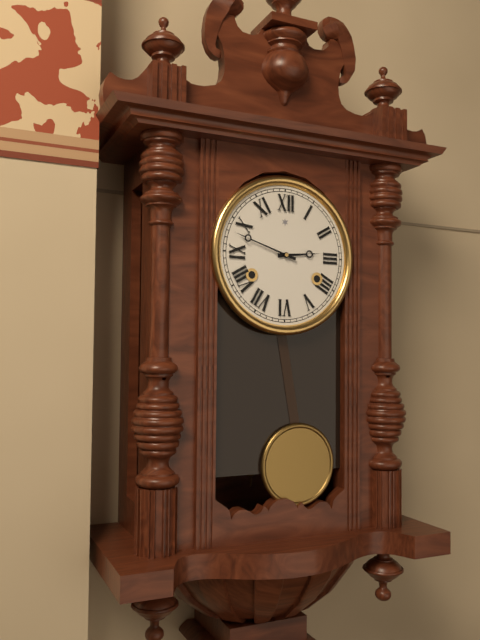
2:48
